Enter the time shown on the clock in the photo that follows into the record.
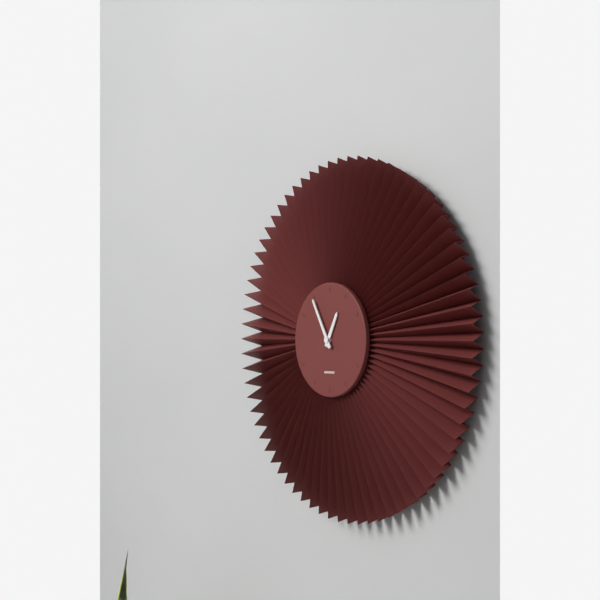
12:55
